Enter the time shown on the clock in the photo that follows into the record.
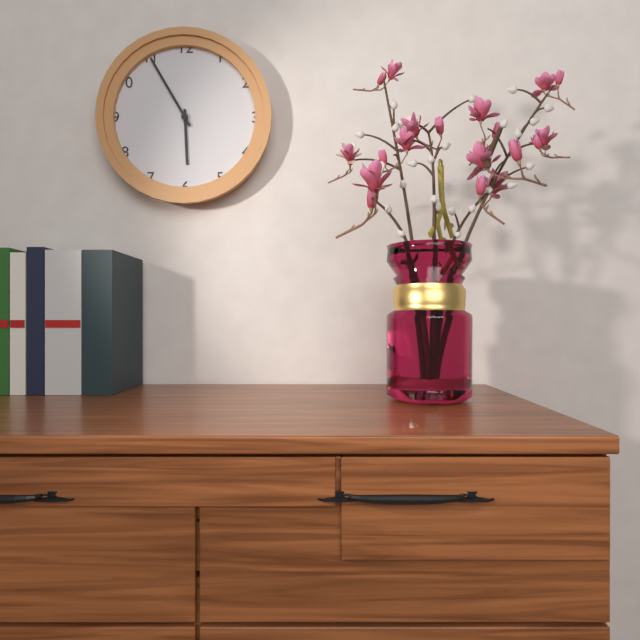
5:55
